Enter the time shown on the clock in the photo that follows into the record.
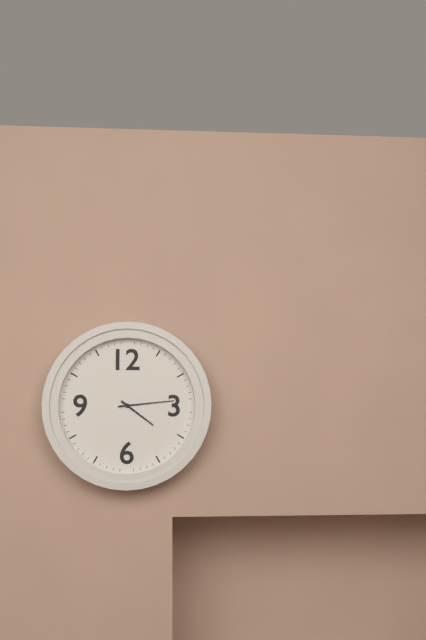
4:14
